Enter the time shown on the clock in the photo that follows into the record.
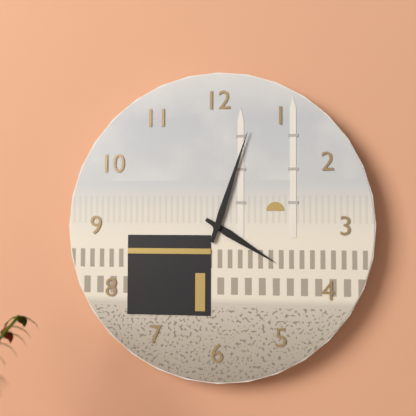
4:03
